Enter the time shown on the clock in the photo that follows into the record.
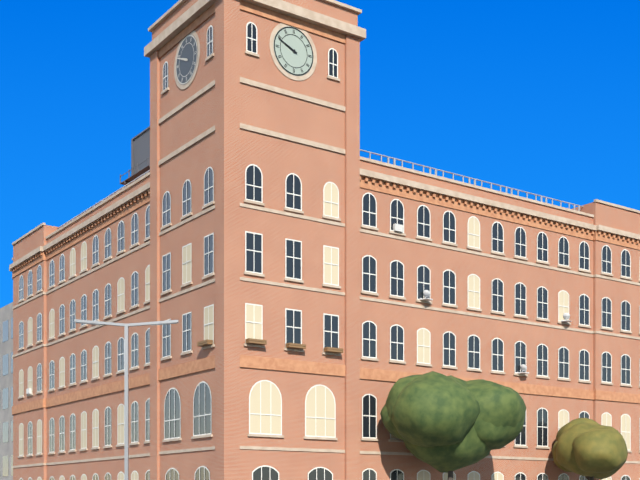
9:49
